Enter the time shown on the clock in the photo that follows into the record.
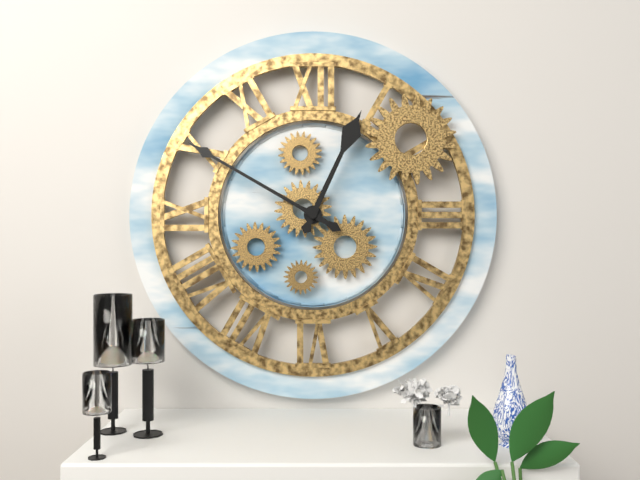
12:50
